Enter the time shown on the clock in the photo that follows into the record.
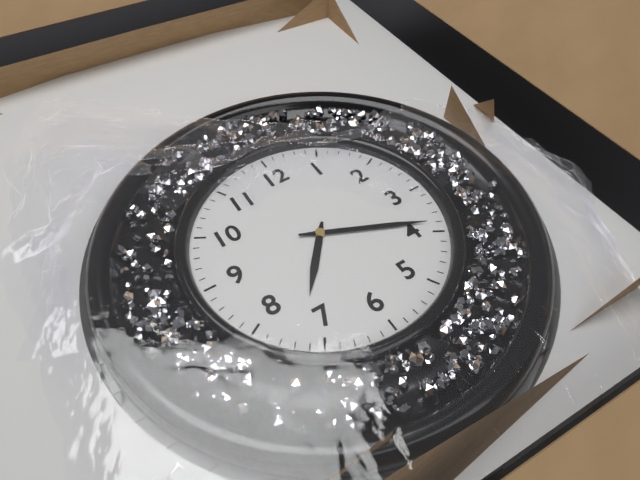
7:19
